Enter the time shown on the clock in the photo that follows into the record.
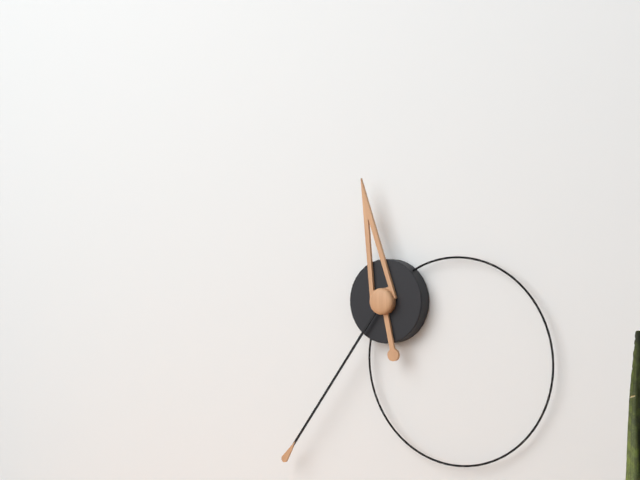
11:36
